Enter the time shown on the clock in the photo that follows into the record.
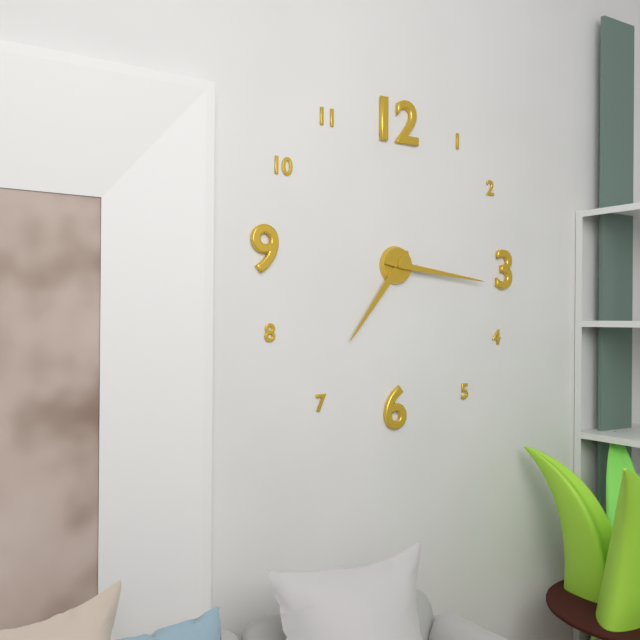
7:16
